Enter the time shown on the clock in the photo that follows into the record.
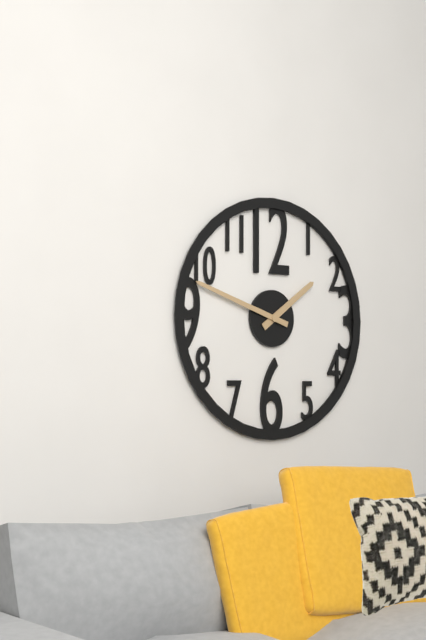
1:48
